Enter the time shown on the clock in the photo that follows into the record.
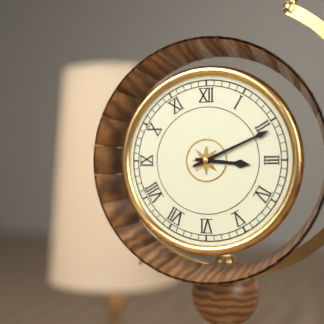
3:11
